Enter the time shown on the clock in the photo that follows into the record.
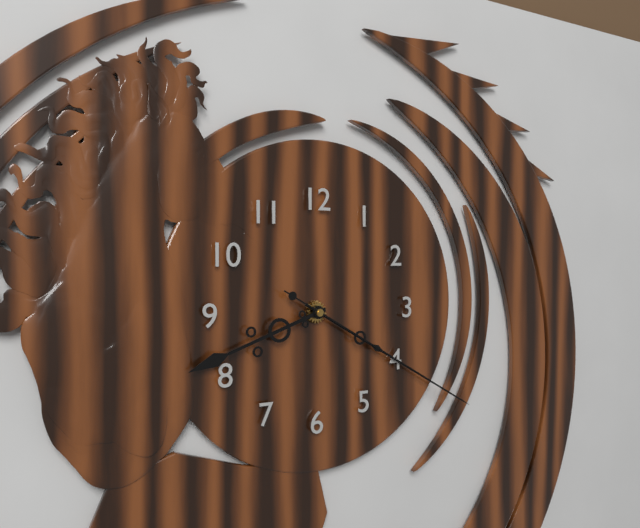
8:20:20
